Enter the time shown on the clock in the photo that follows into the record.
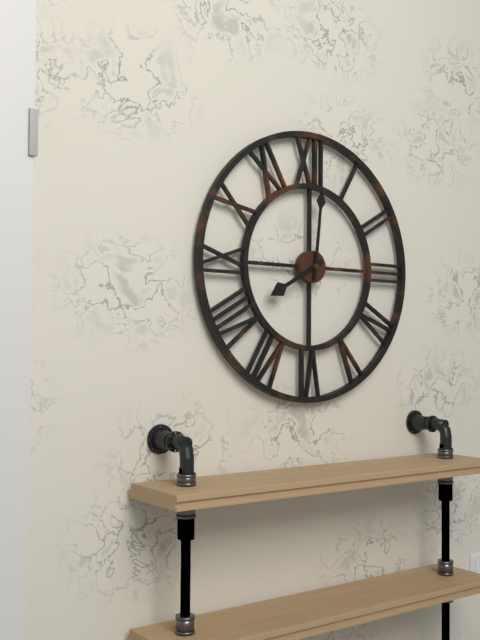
8:01
